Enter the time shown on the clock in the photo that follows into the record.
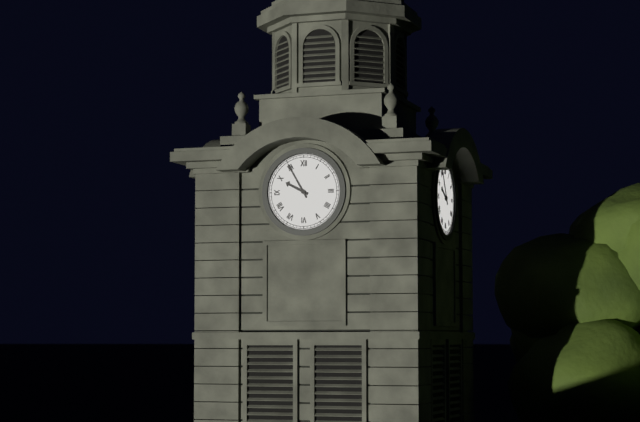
9:55
